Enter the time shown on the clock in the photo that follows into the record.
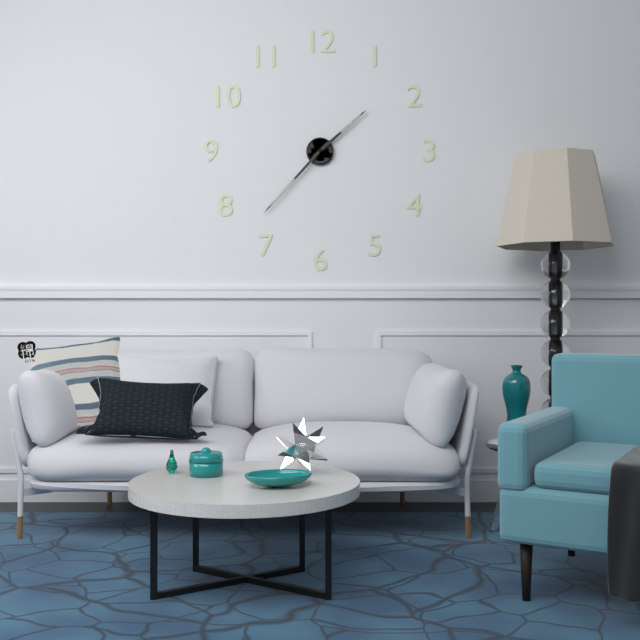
1:37
